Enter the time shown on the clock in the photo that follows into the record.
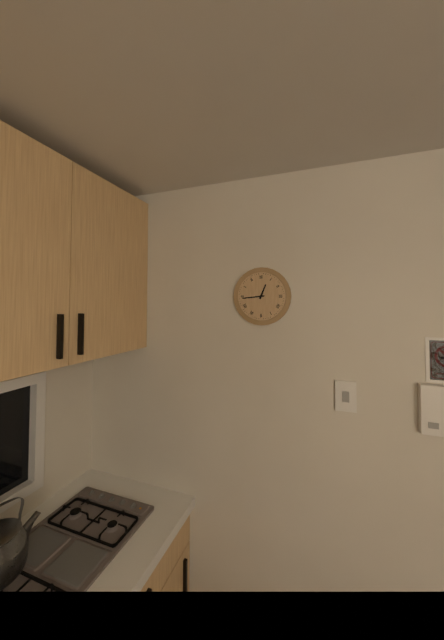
12:44
